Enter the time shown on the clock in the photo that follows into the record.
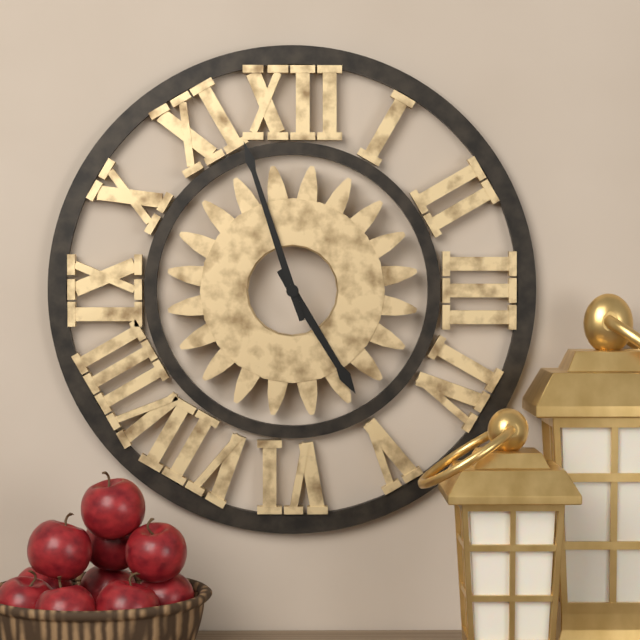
4:57
